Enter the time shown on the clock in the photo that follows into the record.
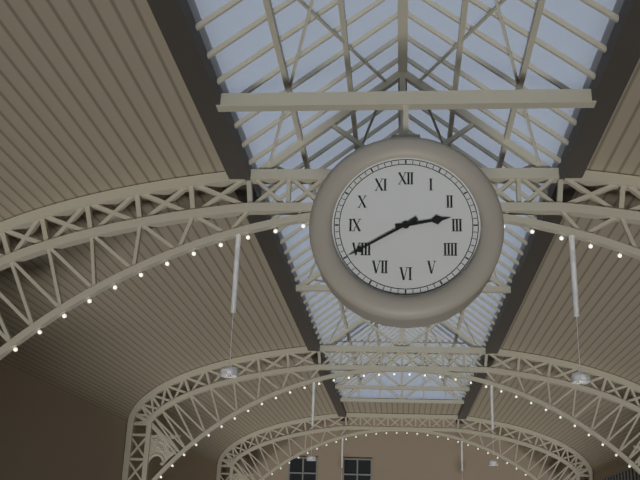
2:40
